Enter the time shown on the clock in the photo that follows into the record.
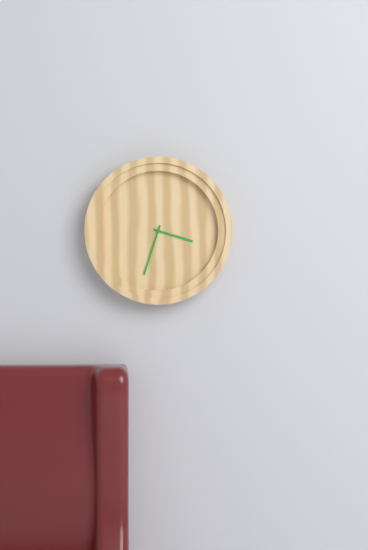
3:33
